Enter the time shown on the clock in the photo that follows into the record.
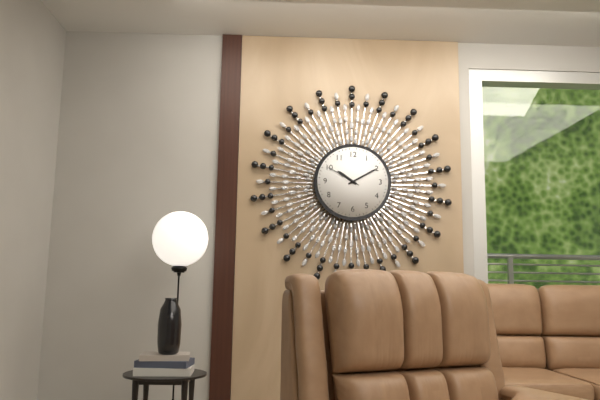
10:10
